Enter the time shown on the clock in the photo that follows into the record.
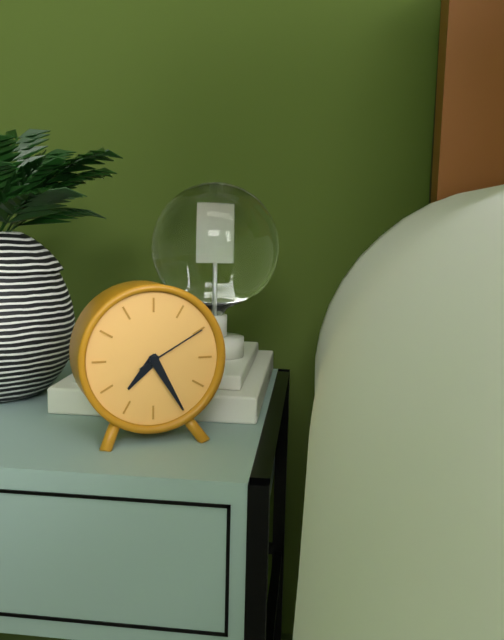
7:25:10
